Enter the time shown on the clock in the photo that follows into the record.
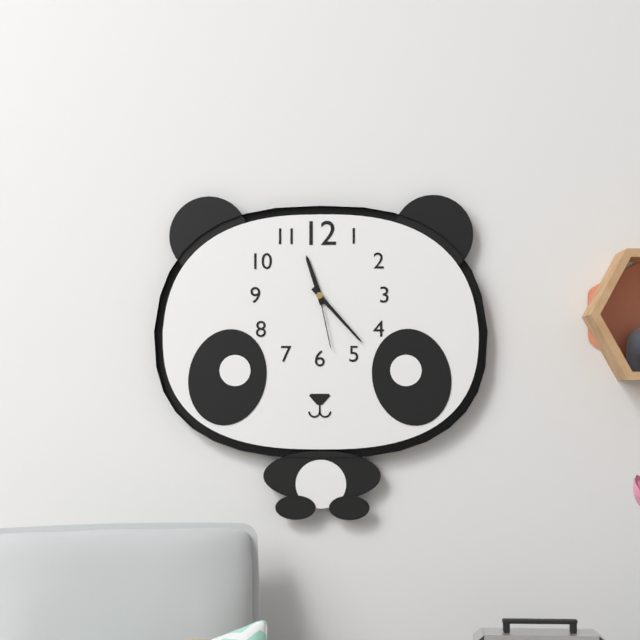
11:23:28
